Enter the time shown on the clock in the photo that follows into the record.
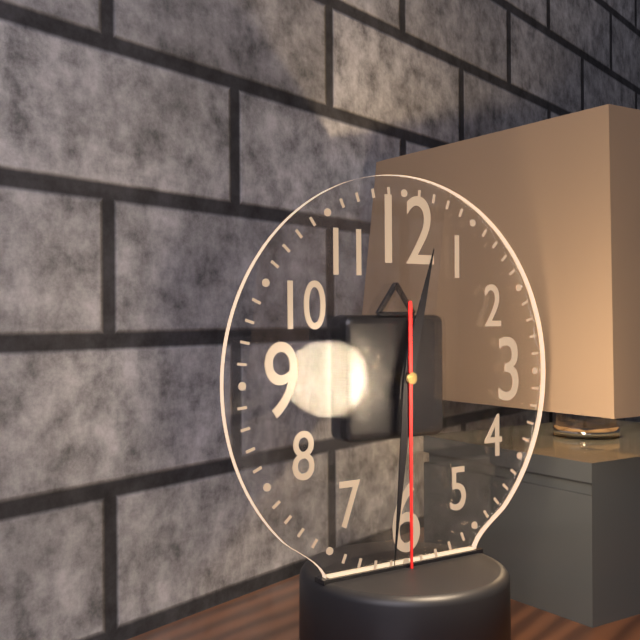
12:31:30
